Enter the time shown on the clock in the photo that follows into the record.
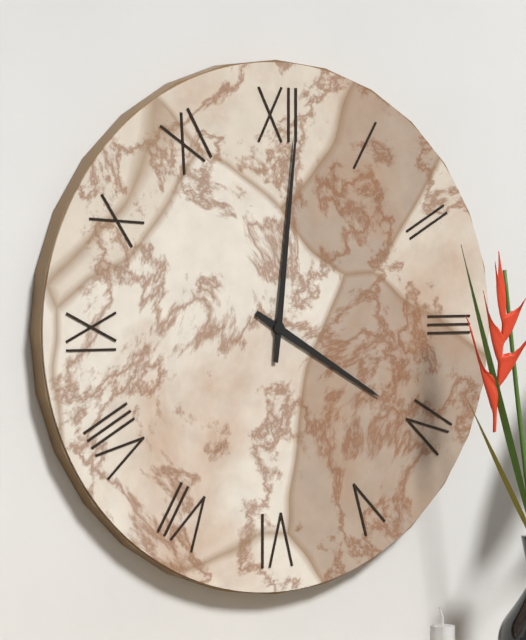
4:01
